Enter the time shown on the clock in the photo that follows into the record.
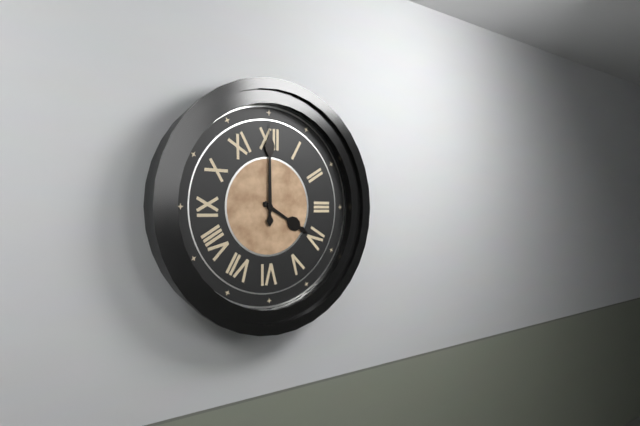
4:00
